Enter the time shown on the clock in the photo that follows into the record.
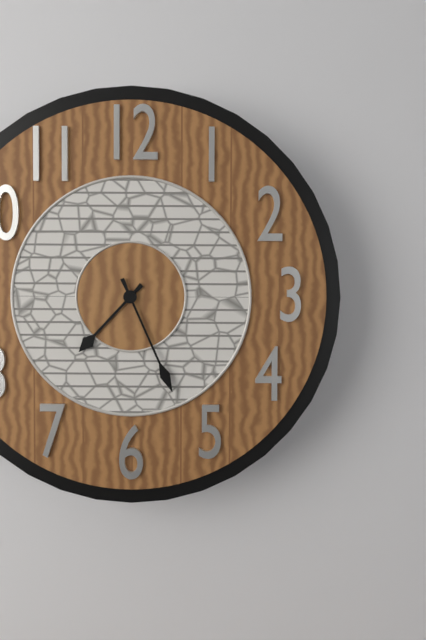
7:26
